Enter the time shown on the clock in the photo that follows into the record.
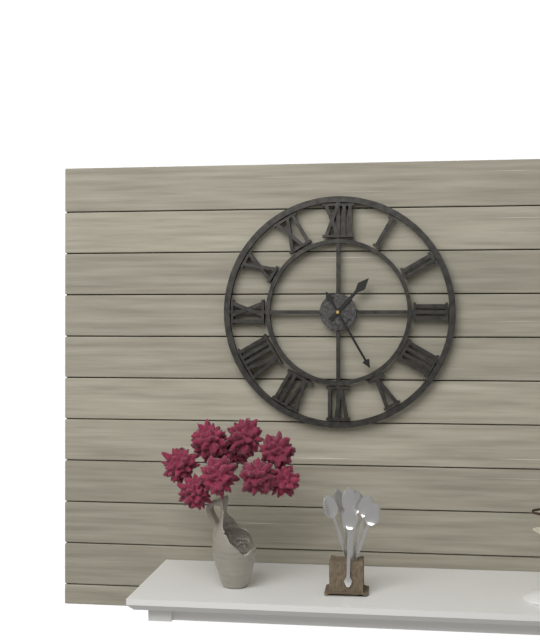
1:25
